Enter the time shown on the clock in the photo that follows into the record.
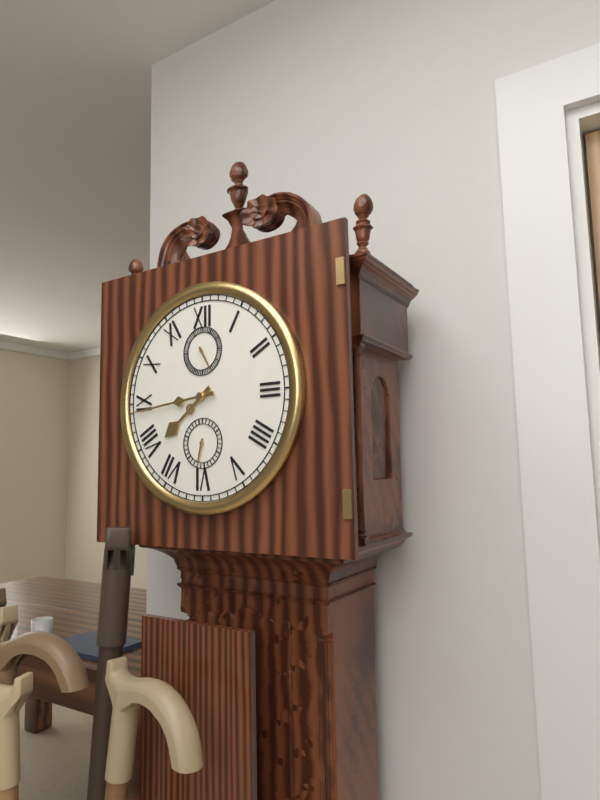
7:44
